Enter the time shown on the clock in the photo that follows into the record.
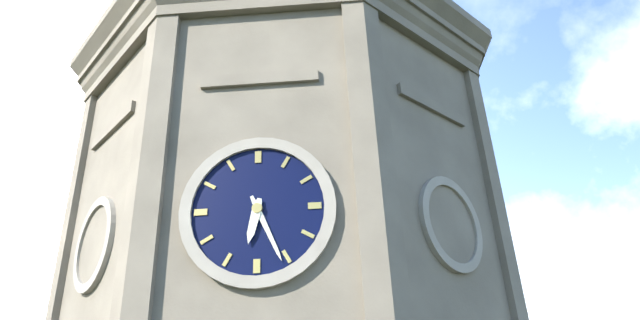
6:26
